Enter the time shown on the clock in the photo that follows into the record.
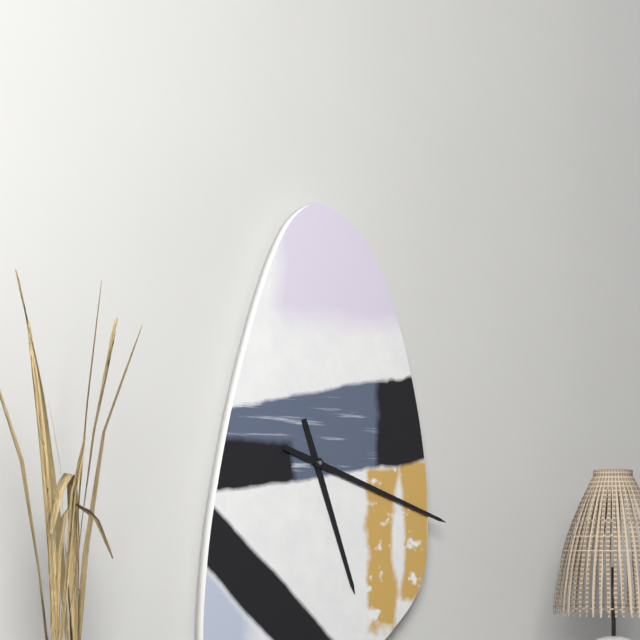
5:18
